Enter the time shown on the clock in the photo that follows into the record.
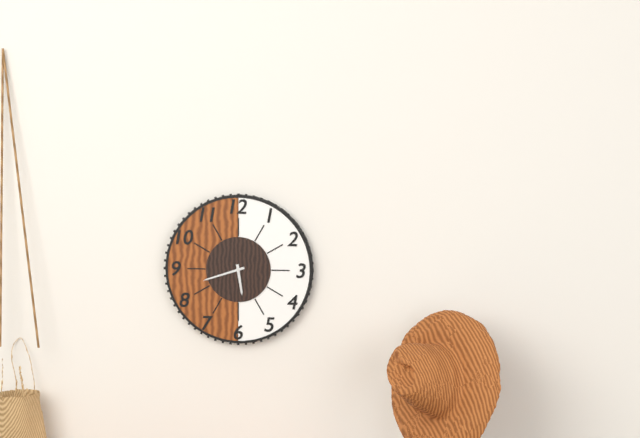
5:42
